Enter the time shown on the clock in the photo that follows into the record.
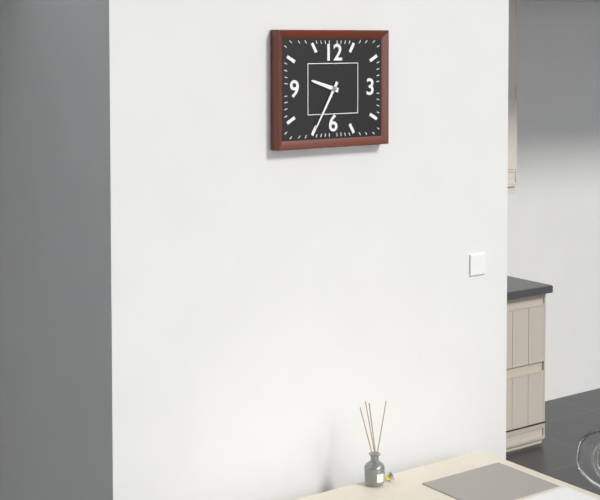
9:35
